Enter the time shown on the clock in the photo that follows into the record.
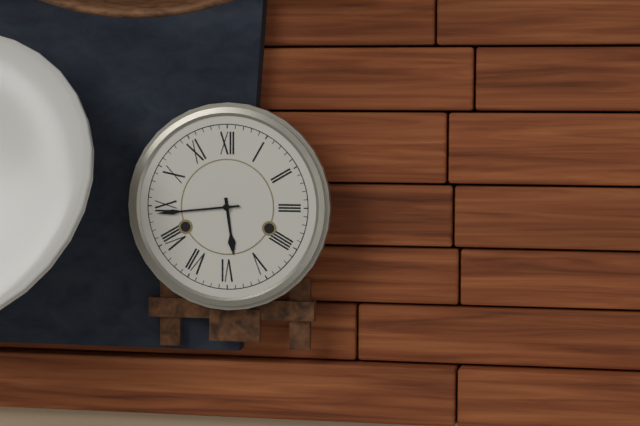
5:44
